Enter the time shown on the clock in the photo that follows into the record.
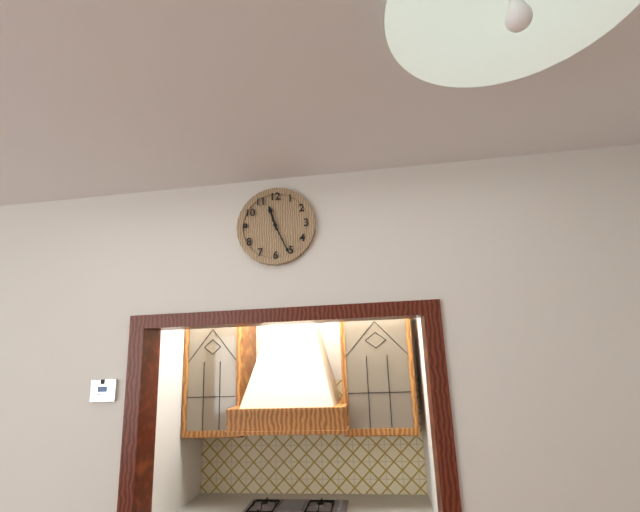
11:26
